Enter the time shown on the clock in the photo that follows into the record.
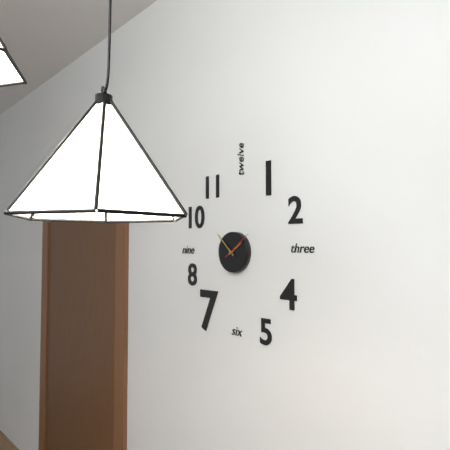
1:52
